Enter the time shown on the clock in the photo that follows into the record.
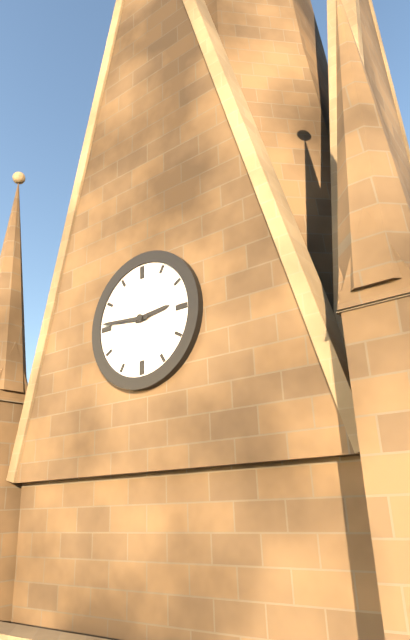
2:46
